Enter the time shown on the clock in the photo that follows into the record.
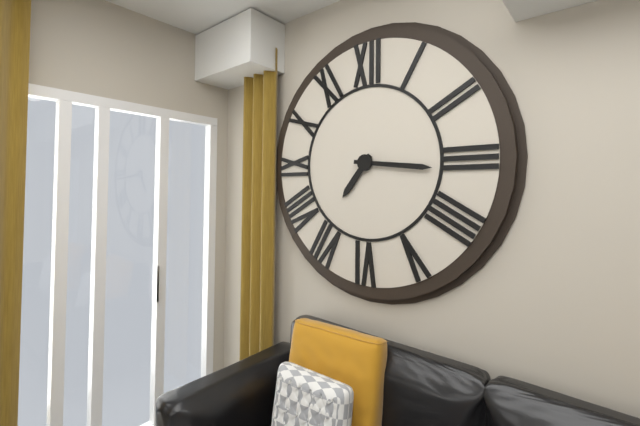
7:16
